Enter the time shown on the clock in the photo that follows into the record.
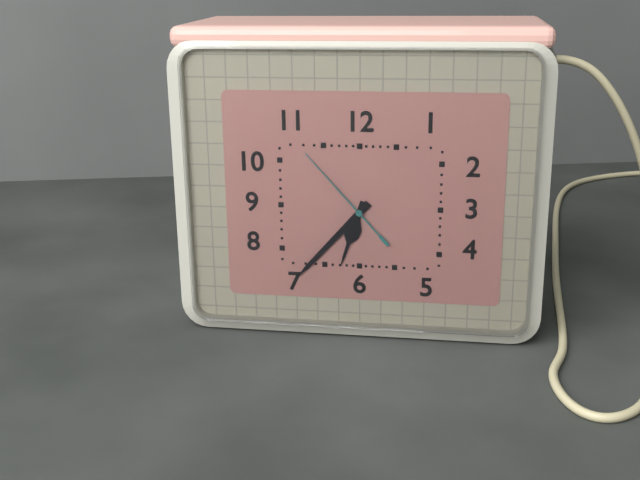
6:37:53
